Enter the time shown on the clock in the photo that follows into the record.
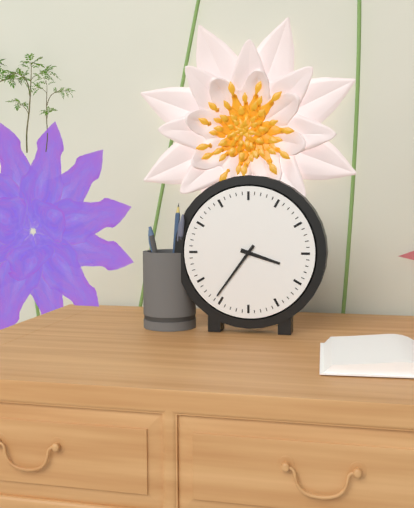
3:36
